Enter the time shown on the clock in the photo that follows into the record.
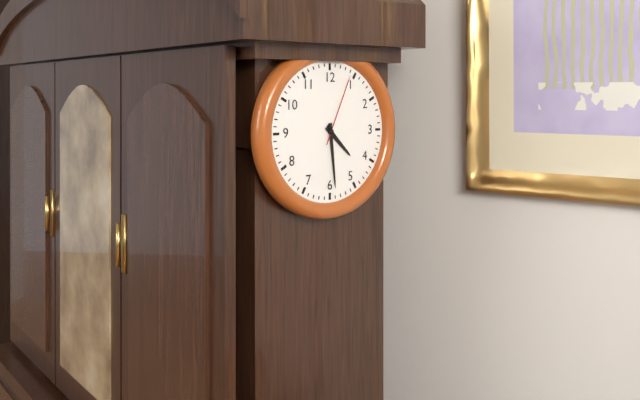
4:29:04
